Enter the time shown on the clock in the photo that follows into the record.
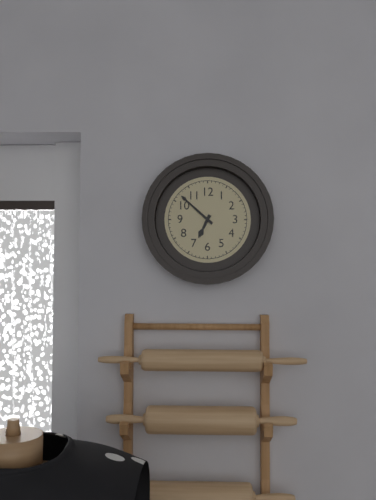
6:52
